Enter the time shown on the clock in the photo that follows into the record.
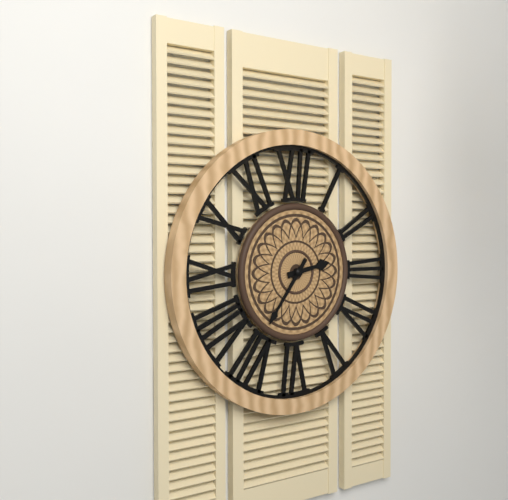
2:36
